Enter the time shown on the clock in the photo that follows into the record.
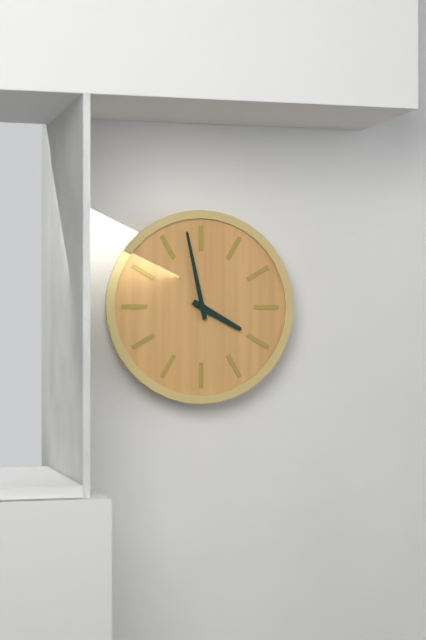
3:58
